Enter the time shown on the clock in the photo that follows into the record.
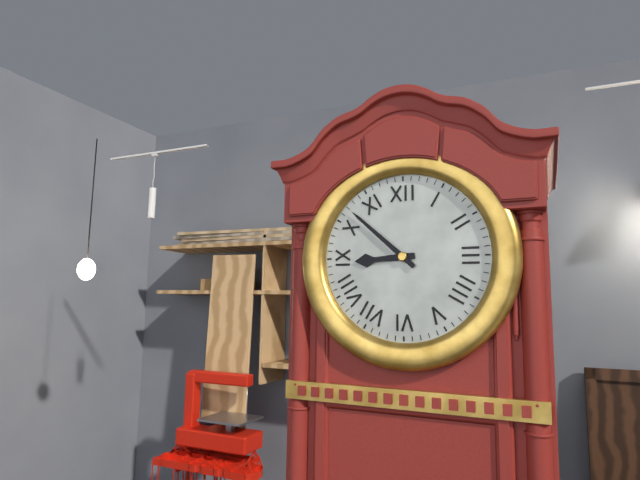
8:52
